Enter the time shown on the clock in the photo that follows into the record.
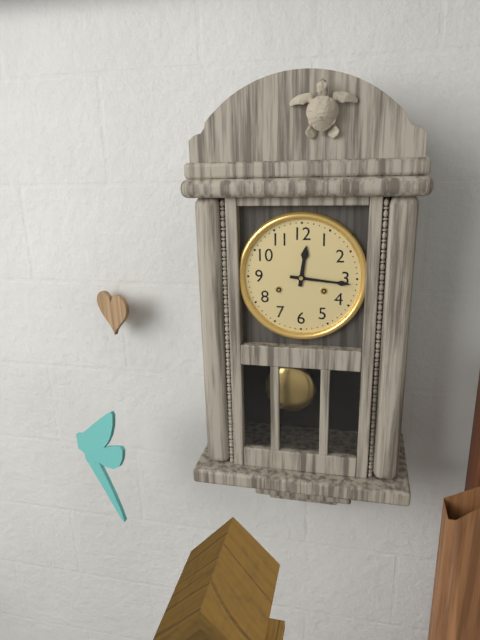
12:16
